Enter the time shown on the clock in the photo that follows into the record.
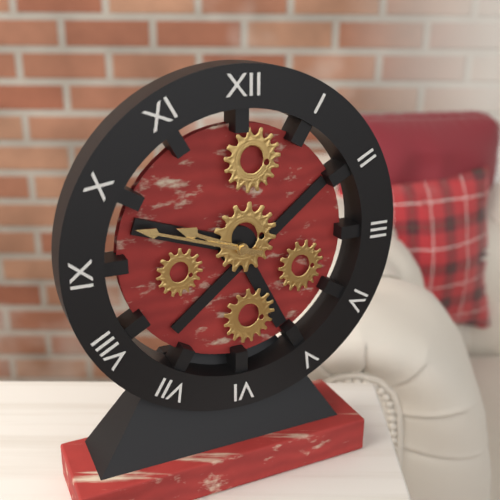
9:48
